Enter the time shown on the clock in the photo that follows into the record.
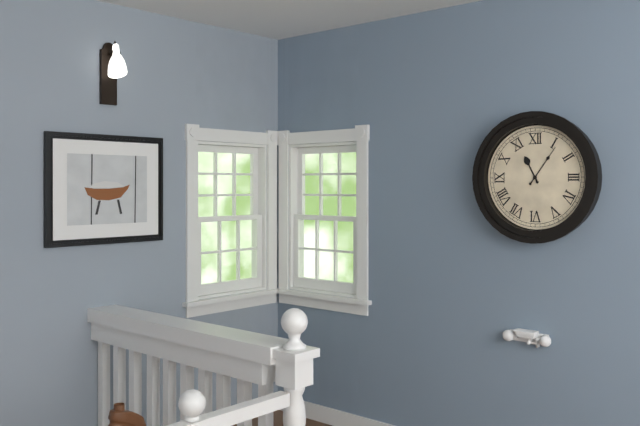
11:06
